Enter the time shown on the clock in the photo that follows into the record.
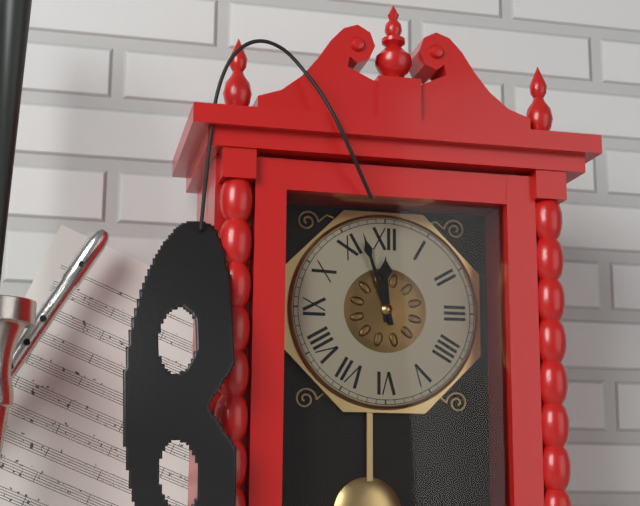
11:57
